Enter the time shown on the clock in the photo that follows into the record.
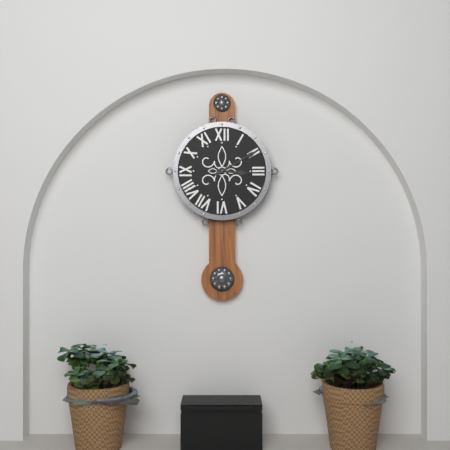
3:10
